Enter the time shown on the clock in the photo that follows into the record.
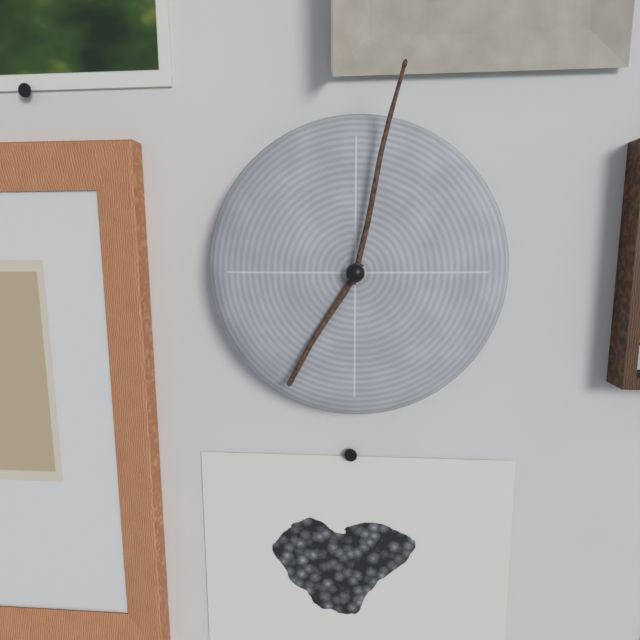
7:02
